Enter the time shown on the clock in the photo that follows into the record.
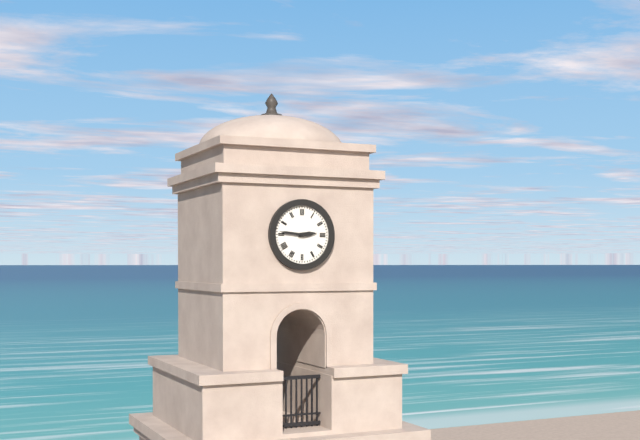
2:46
